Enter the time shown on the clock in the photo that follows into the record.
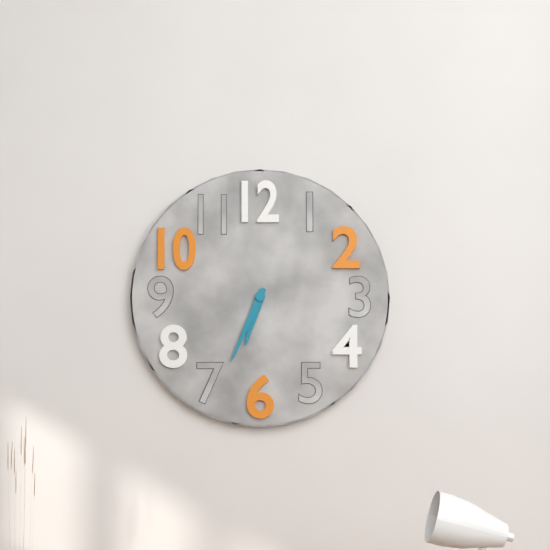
6:34
